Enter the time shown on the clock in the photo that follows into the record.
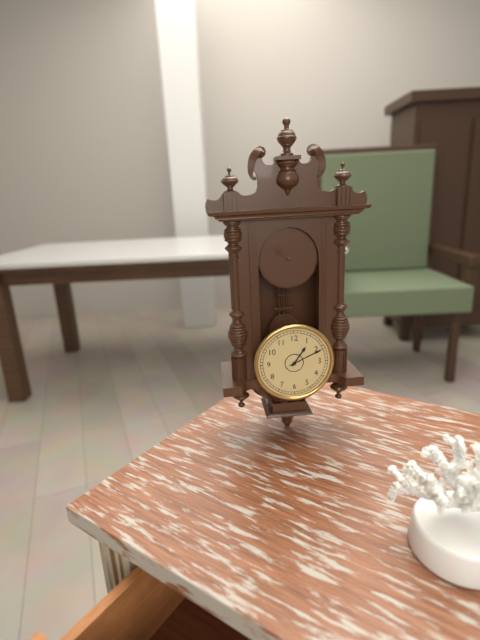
1:11
